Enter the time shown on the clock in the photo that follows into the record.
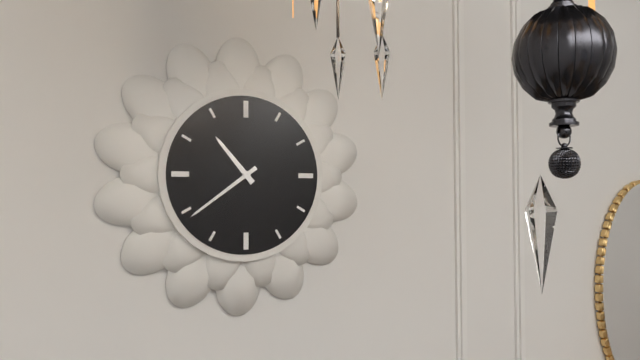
10:39
